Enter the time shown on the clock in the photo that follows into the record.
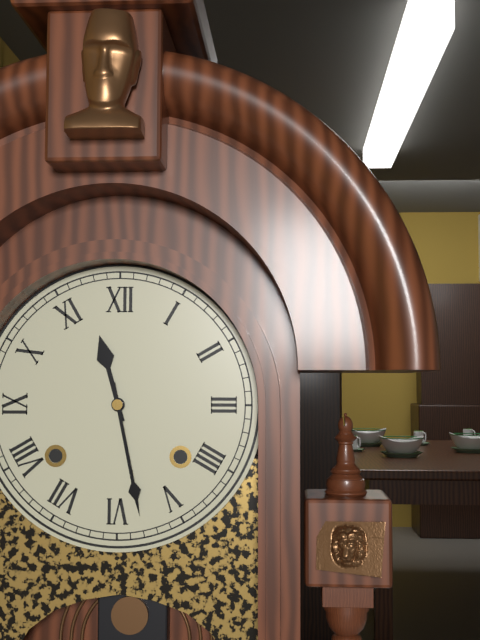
11:28
